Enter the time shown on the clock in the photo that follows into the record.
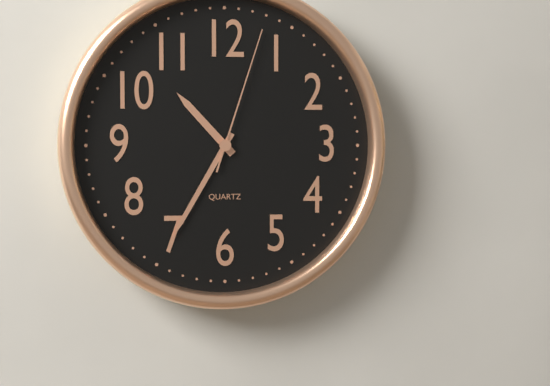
10:35:03
